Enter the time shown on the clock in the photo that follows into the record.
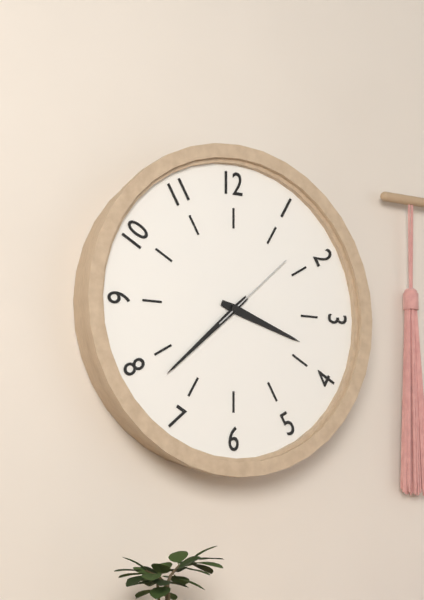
3:38:08
